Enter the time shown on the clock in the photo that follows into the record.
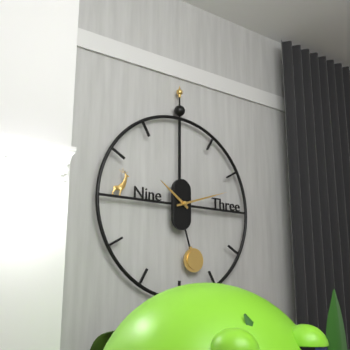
10:12
